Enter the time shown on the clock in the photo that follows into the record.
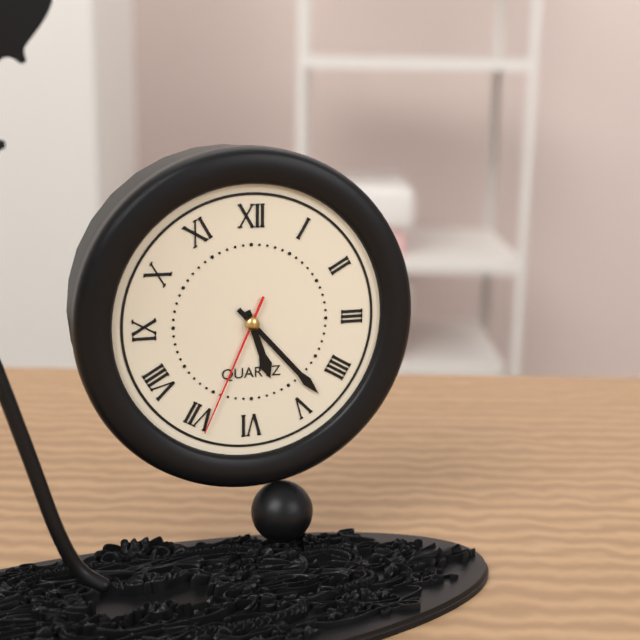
5:23:34
